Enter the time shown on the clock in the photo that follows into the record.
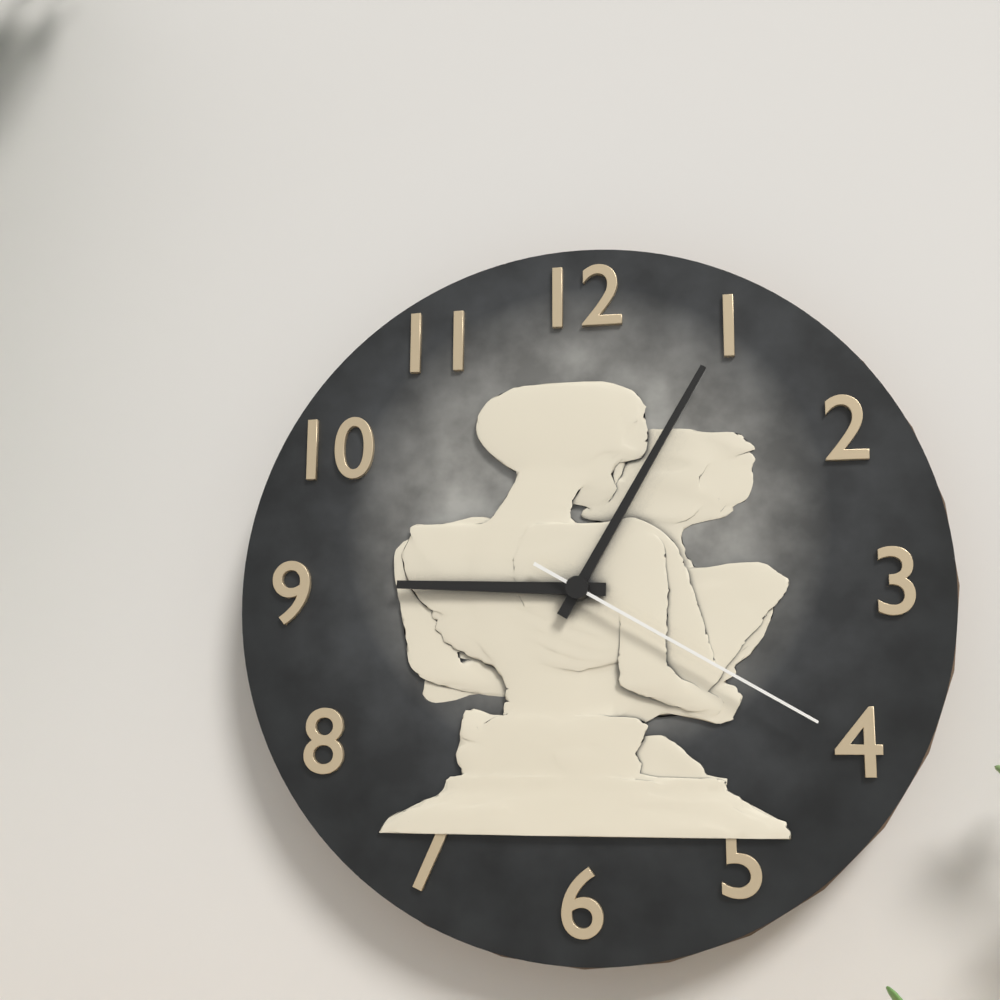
9:05:20
